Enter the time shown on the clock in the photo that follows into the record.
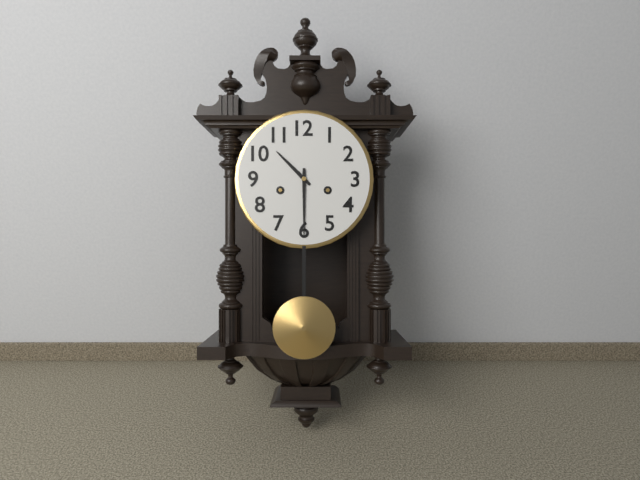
10:30
